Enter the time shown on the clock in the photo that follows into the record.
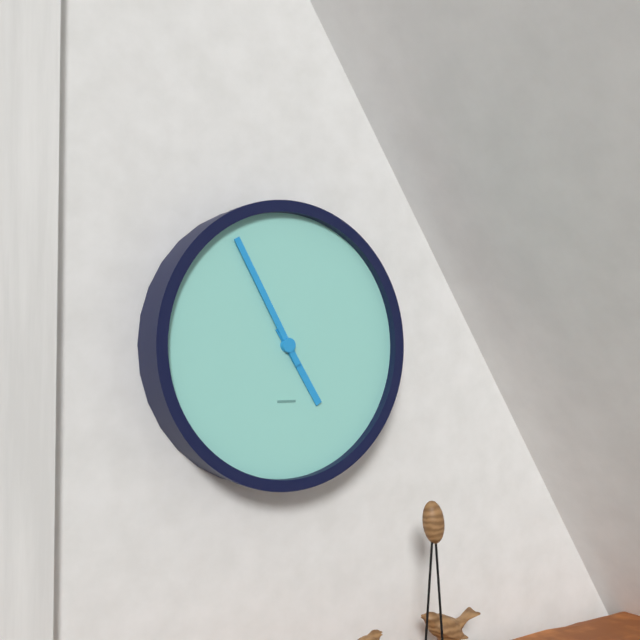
4:55
